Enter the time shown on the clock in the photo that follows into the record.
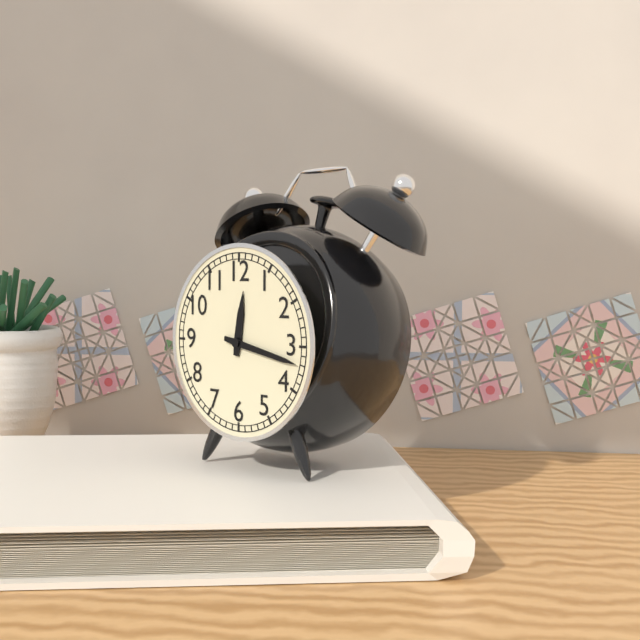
12:17
